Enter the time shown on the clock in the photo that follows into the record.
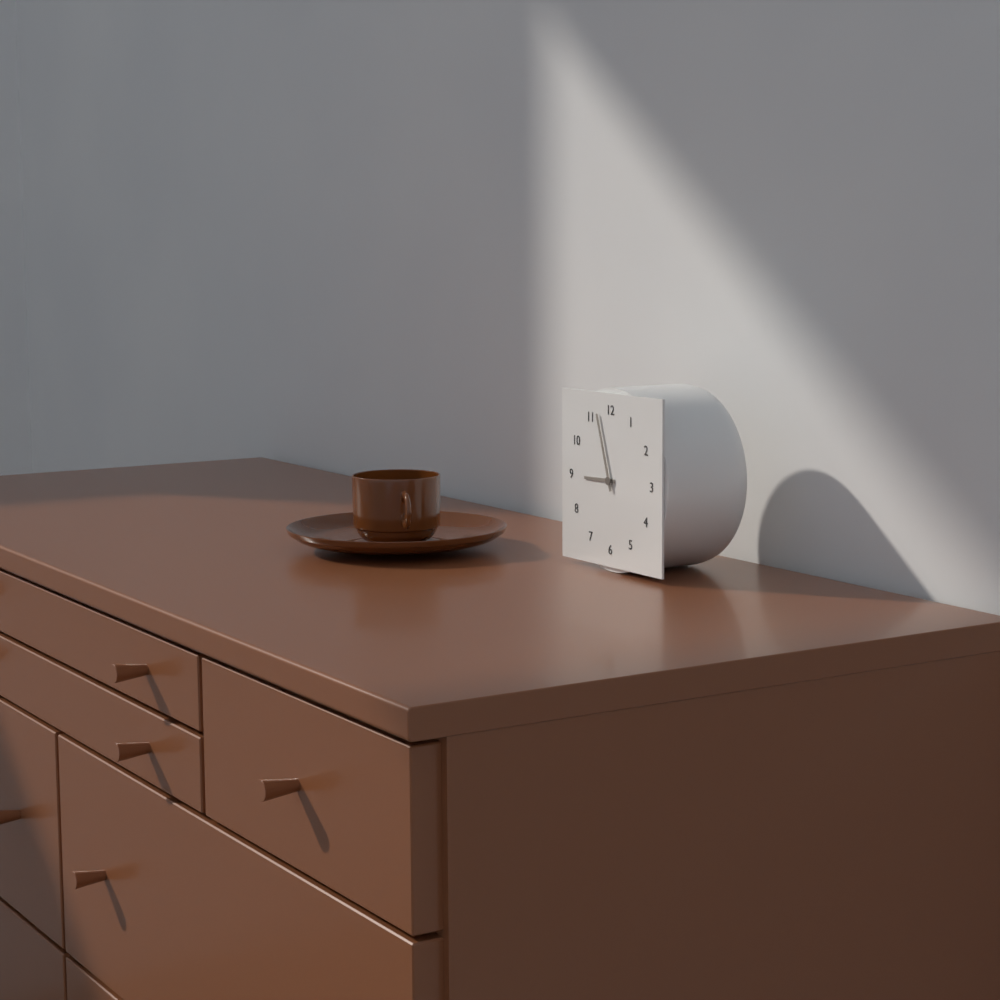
8:57
